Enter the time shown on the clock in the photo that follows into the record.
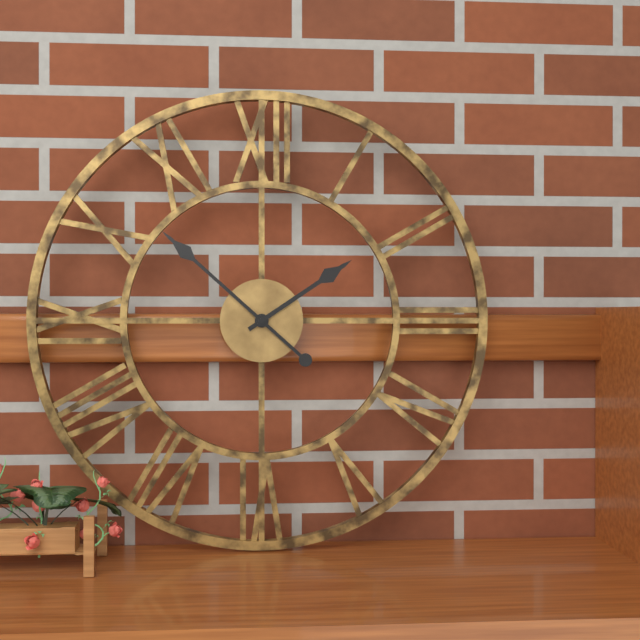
1:52
